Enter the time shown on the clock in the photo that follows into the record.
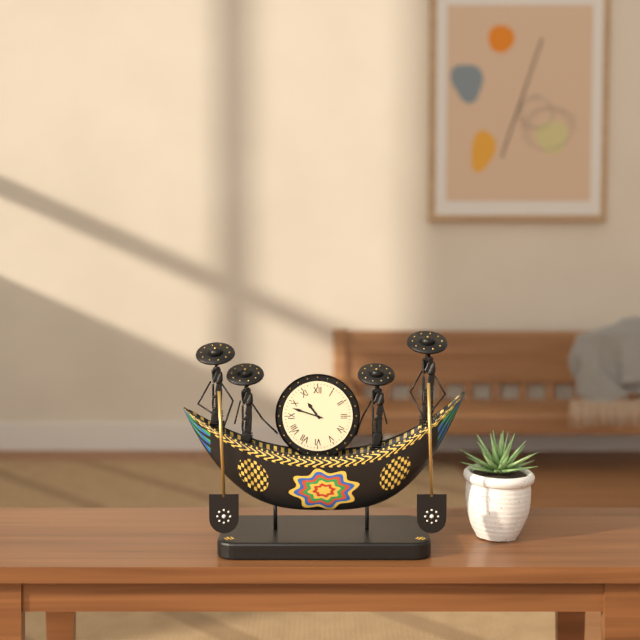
10:48
